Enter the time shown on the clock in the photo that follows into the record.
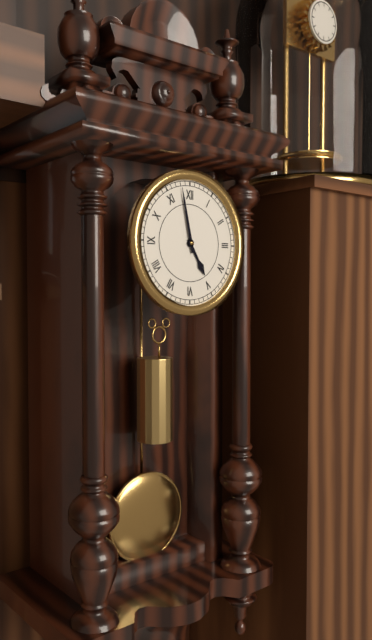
4:58
